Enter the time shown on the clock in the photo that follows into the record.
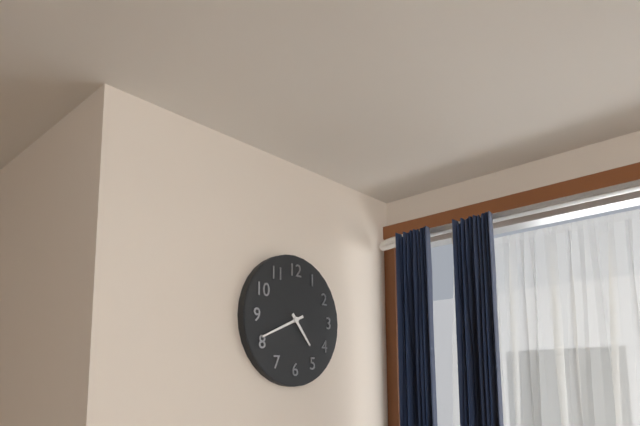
4:41
